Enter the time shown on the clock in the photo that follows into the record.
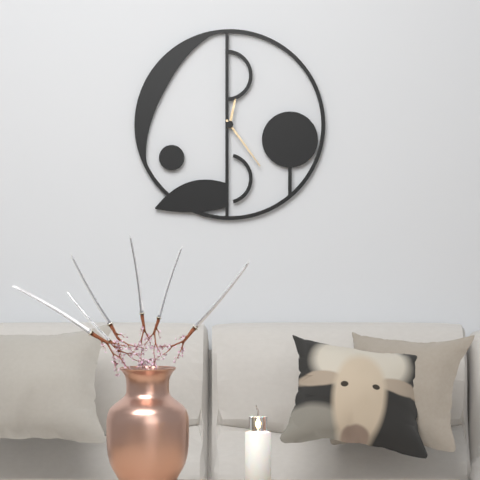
12:24
